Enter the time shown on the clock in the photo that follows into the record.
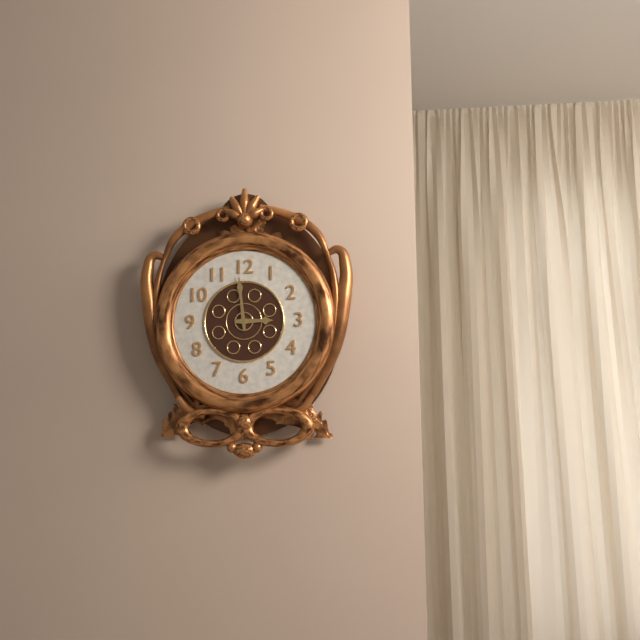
2:59
